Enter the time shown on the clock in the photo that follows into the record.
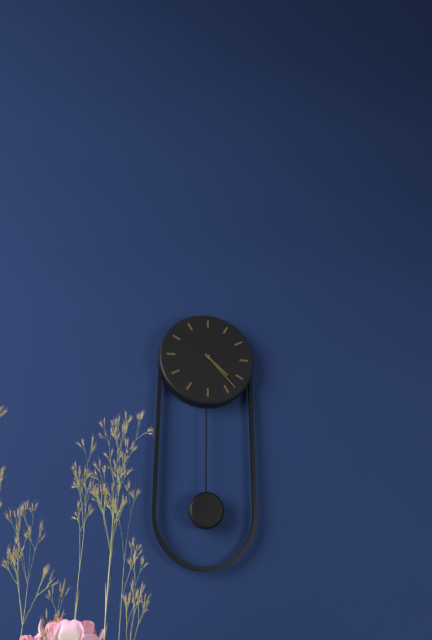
4:23
